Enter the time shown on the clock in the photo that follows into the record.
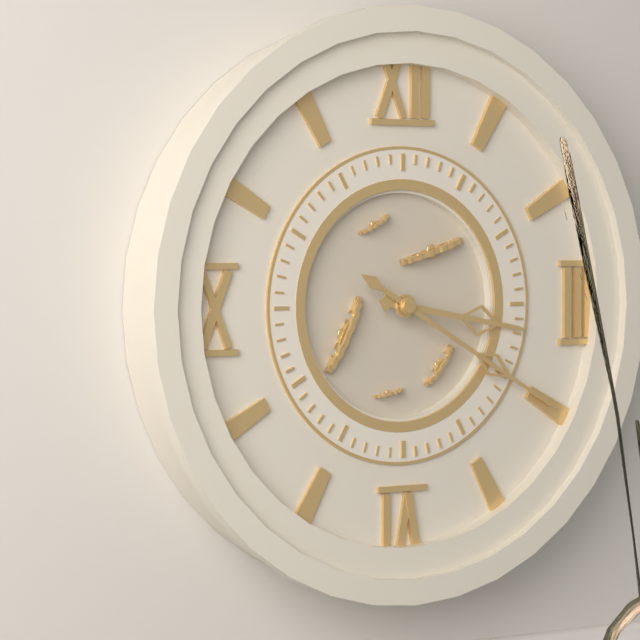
3:20
